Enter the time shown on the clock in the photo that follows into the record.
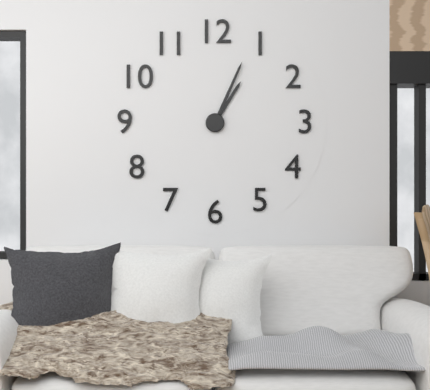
1:04
